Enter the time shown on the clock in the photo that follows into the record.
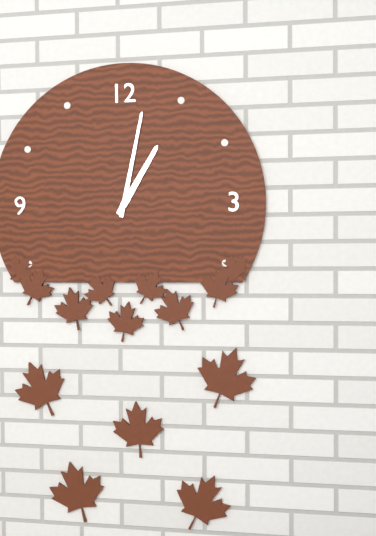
1:02
